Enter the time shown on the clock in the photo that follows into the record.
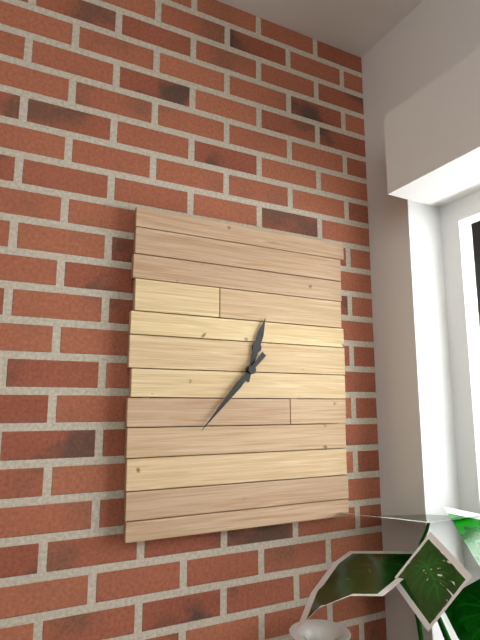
12:37
